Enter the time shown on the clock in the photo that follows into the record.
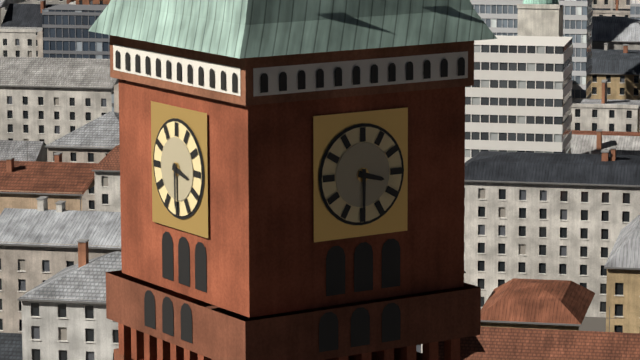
3:30
